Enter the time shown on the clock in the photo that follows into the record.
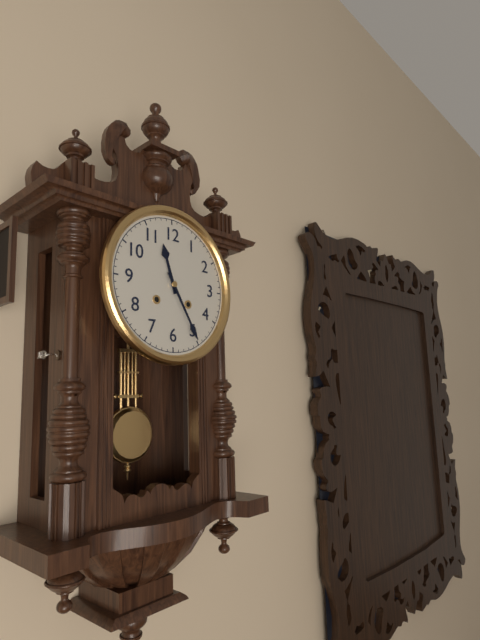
11:25
